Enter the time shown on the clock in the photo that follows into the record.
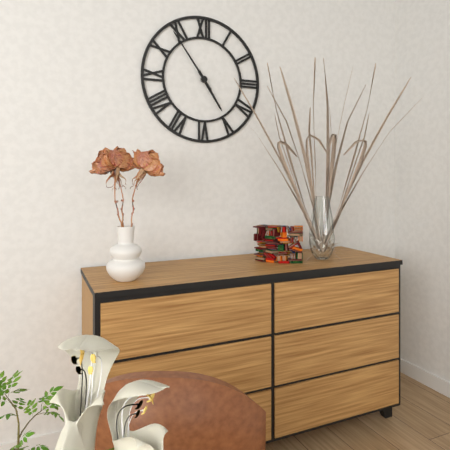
4:54
